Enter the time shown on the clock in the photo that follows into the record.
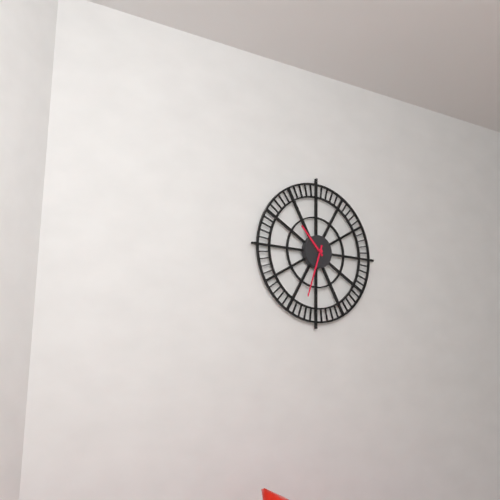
10:33
